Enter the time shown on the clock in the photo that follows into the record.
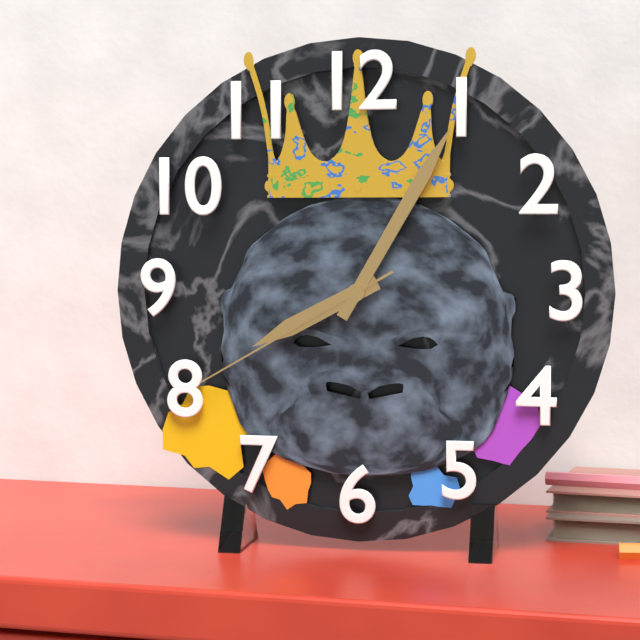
8:05:40
